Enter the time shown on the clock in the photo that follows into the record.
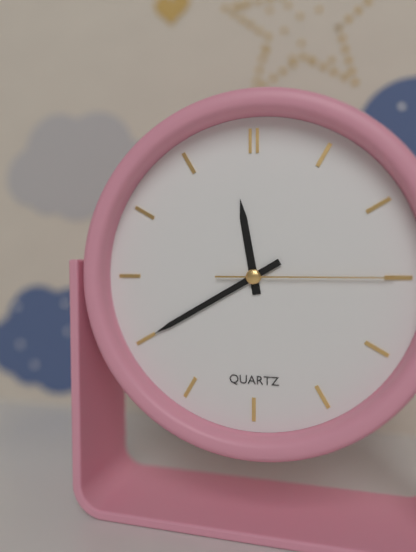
11:40:15
